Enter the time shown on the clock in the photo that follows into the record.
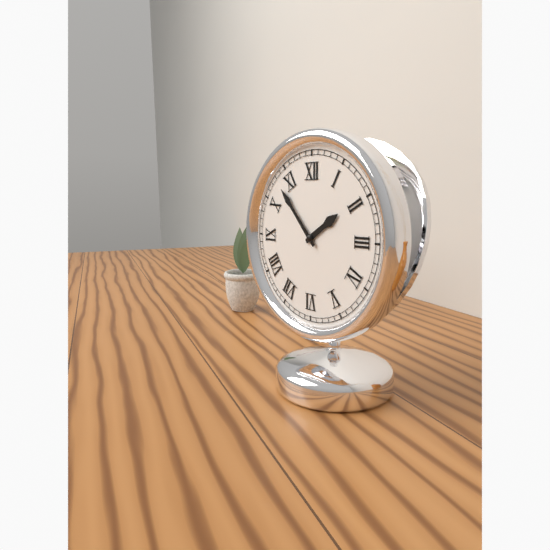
1:53
